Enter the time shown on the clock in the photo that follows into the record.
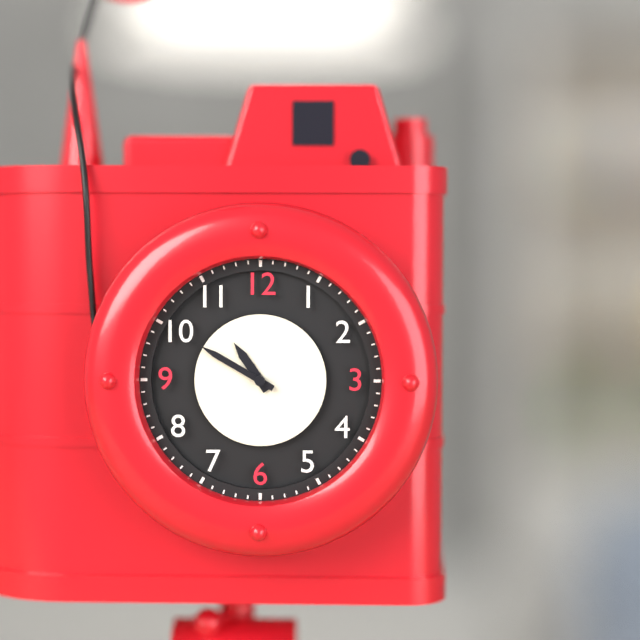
10:50
